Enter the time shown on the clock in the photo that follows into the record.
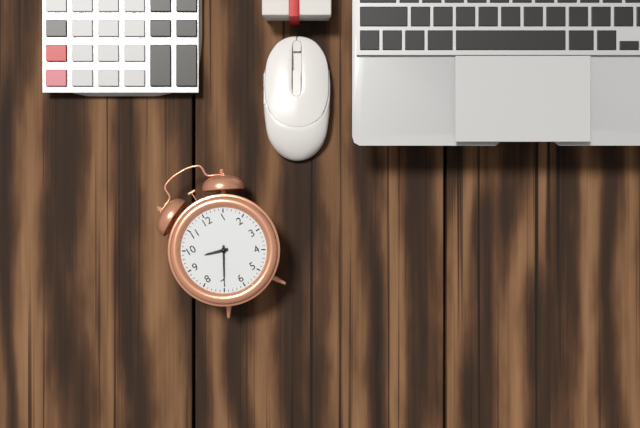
9:35
